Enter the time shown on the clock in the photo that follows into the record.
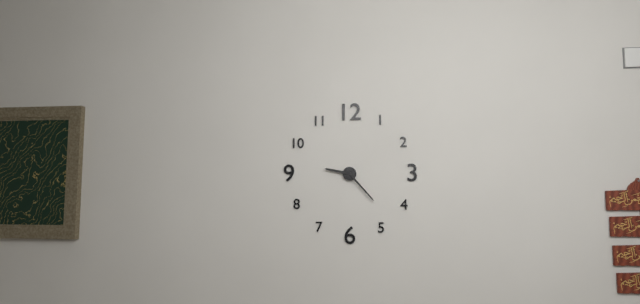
9:23
